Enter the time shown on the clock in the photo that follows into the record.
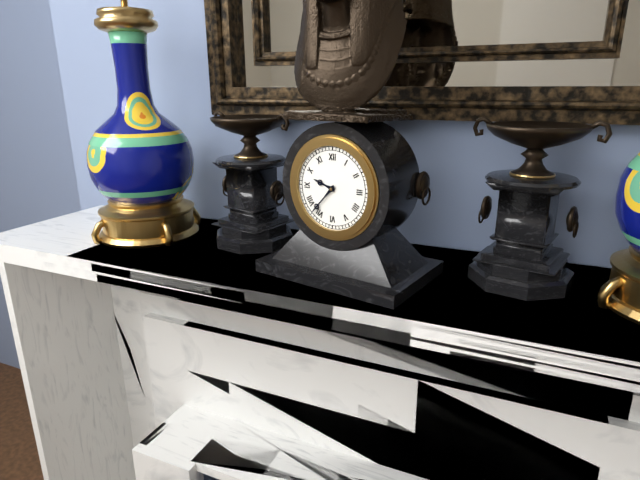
9:37
